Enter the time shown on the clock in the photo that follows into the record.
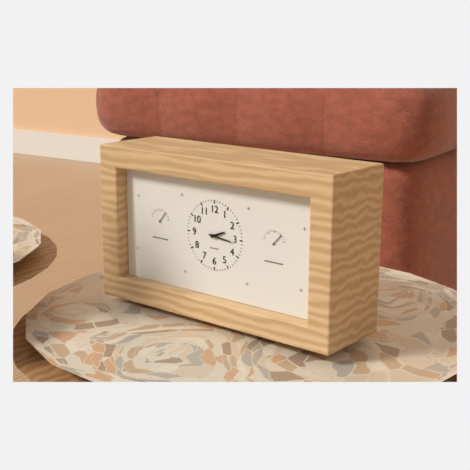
2:16
